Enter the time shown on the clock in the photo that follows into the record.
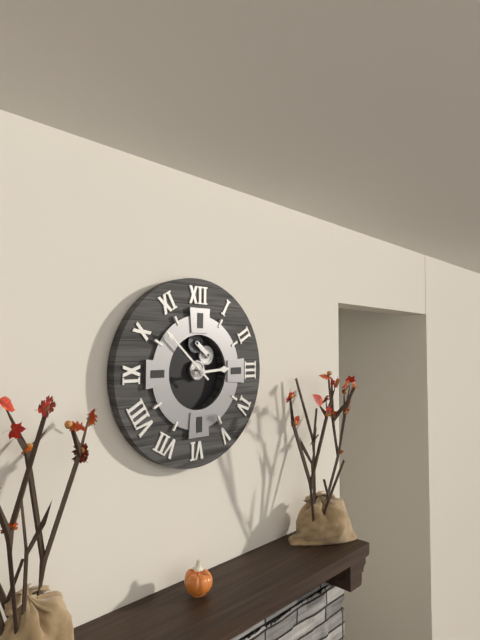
2:52
